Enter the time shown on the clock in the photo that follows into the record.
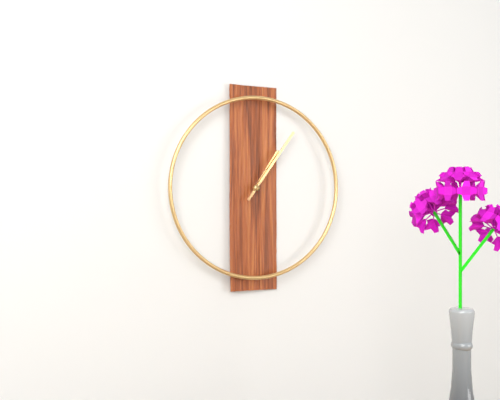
1:06
